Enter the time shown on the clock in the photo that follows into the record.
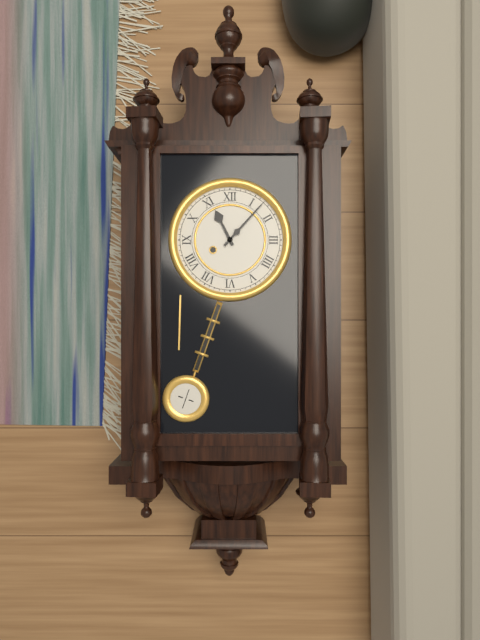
11:07
